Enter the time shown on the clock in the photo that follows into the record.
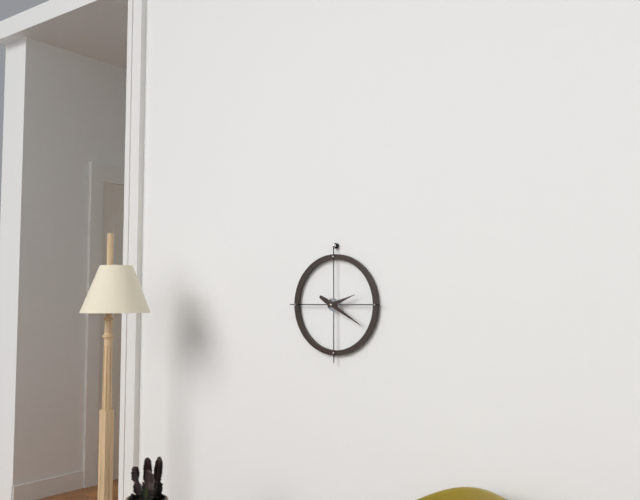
2:20
